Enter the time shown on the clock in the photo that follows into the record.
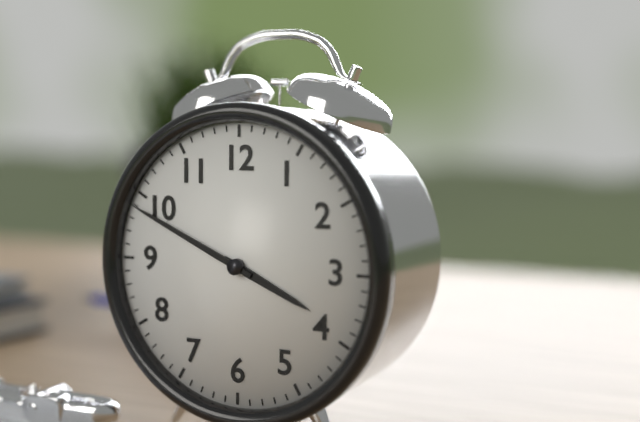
3:49
